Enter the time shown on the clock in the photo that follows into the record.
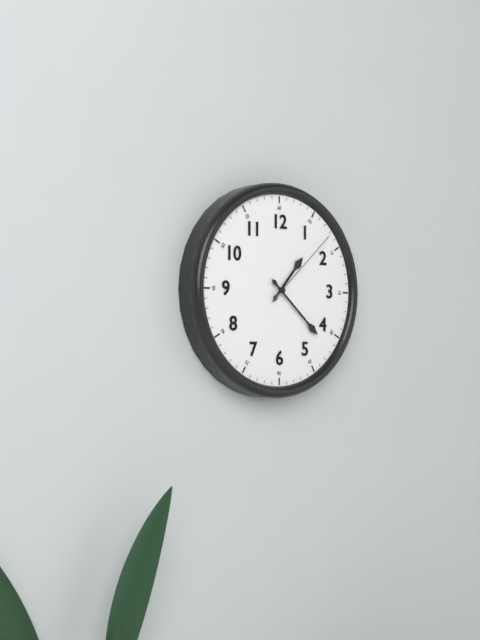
1:22:08
